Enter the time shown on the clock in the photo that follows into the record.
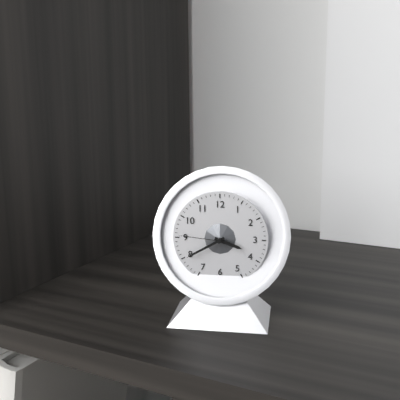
3:40:46
